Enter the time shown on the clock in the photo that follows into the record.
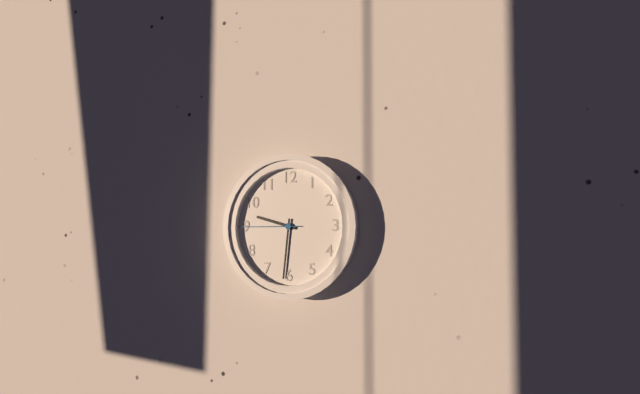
9:31:45
